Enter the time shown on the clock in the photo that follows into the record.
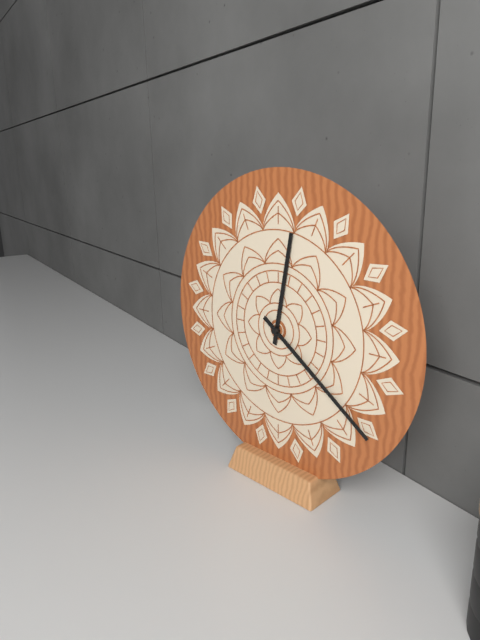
12:21
